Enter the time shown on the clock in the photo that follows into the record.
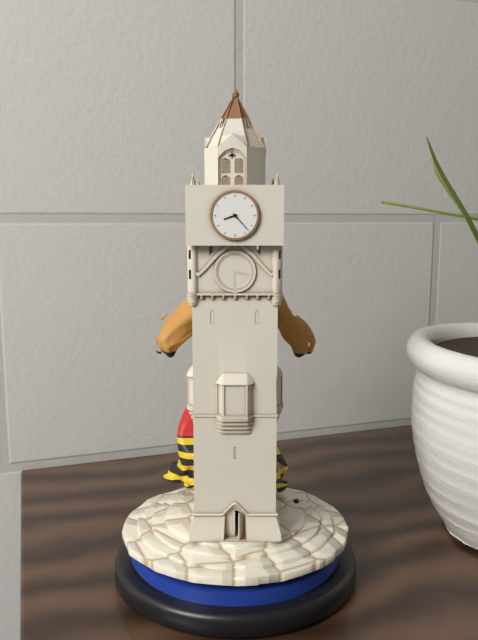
8:23
